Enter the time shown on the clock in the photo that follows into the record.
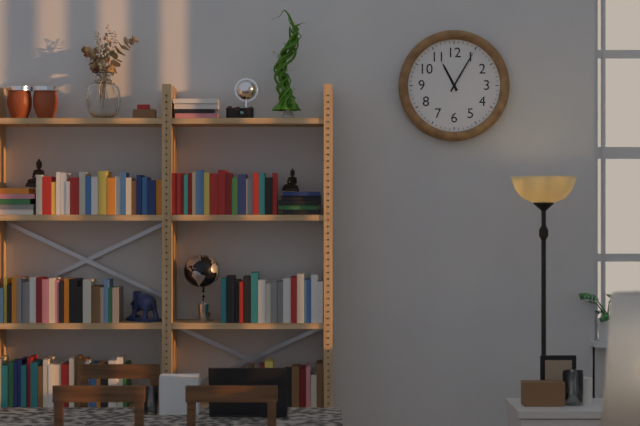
11:05
